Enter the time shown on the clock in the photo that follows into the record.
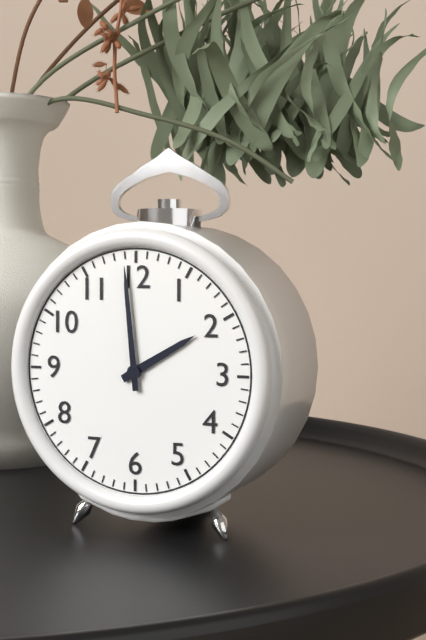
1:59
